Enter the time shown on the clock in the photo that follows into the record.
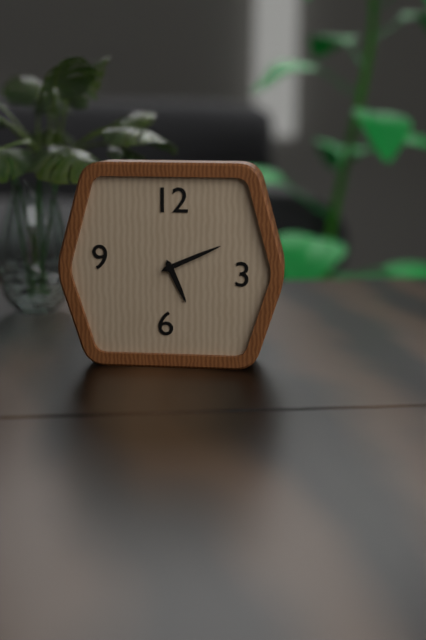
5:11
